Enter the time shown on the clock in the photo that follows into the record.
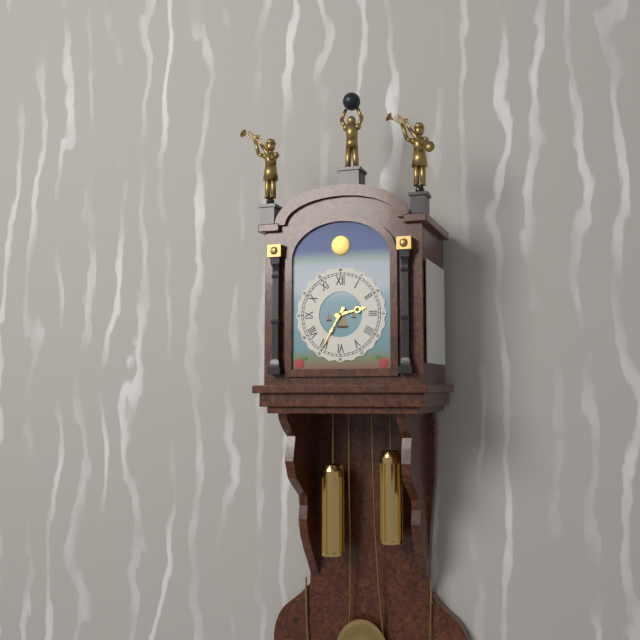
2:35
